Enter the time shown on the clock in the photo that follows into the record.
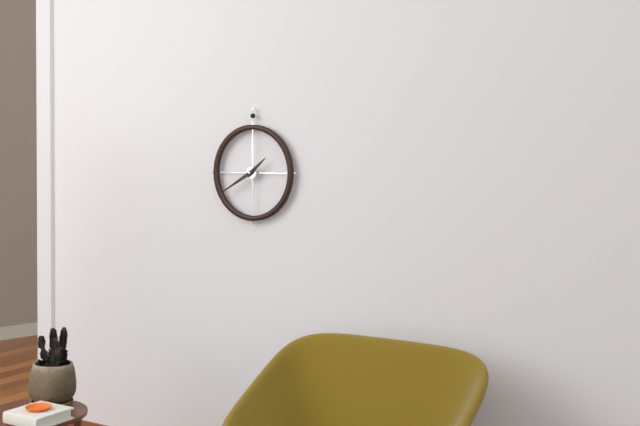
1:40
